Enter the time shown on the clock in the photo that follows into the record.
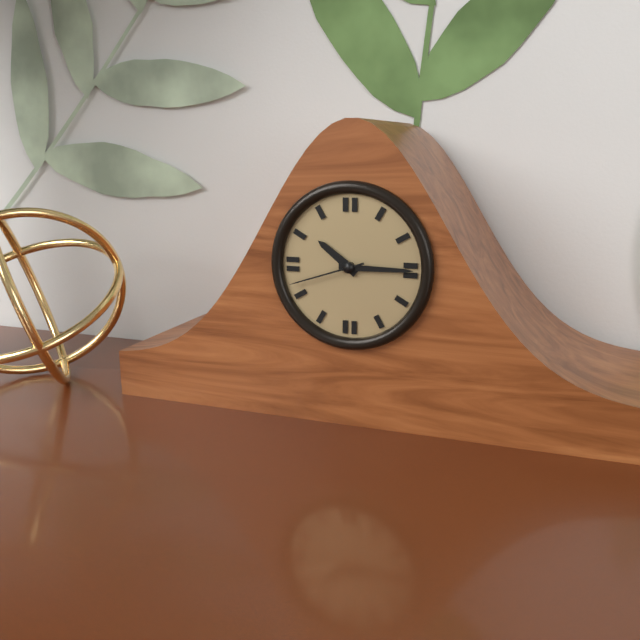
10:15:42
